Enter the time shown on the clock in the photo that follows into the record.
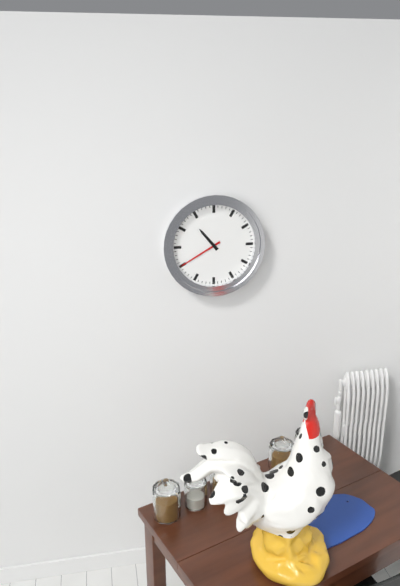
10:40
